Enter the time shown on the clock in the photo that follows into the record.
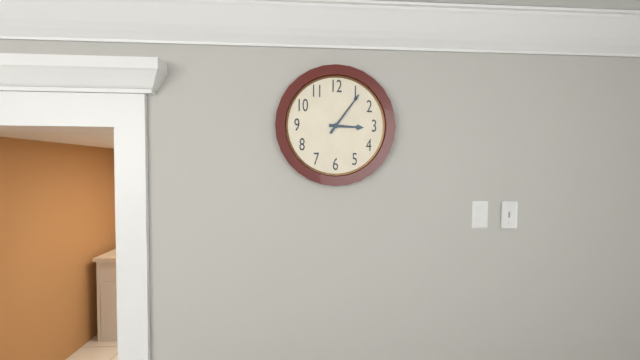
3:06
